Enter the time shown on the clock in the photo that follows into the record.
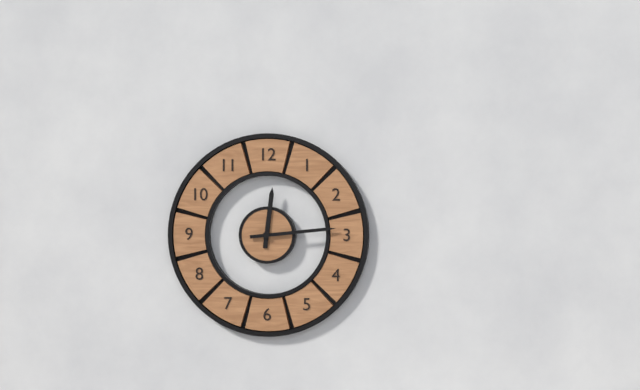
12:14
